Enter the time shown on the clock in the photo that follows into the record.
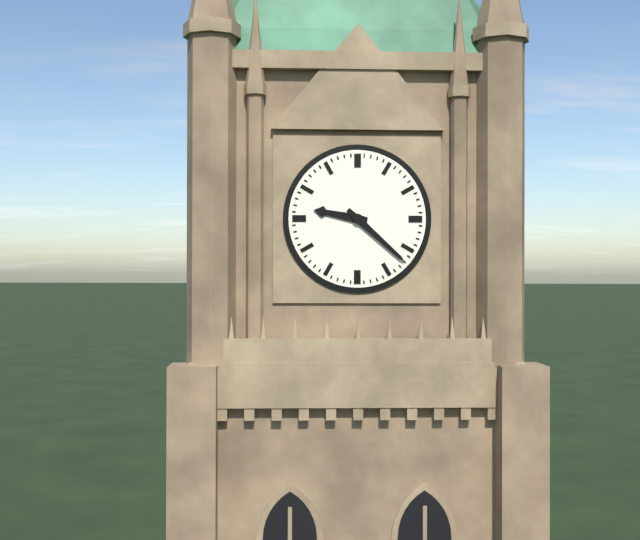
9:22
